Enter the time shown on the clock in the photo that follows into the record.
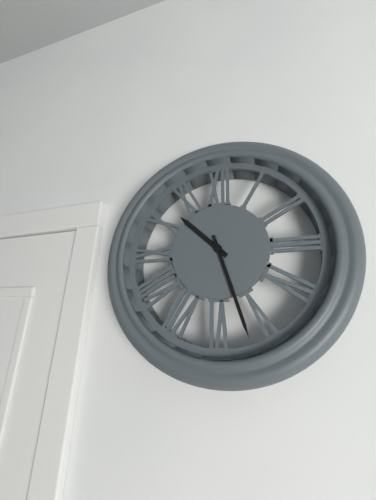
10:27
